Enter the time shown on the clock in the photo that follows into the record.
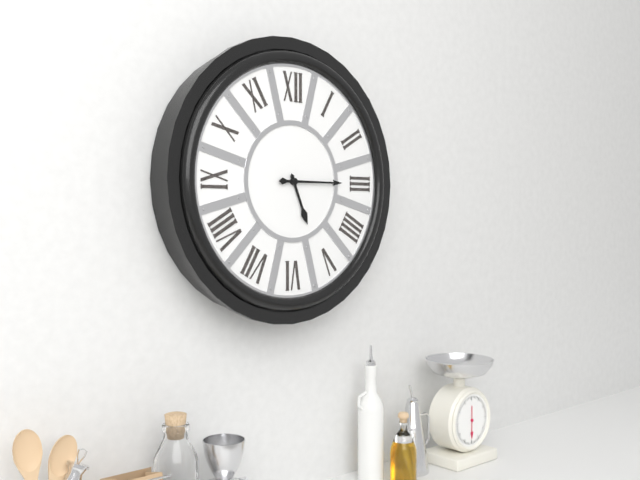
5:15
